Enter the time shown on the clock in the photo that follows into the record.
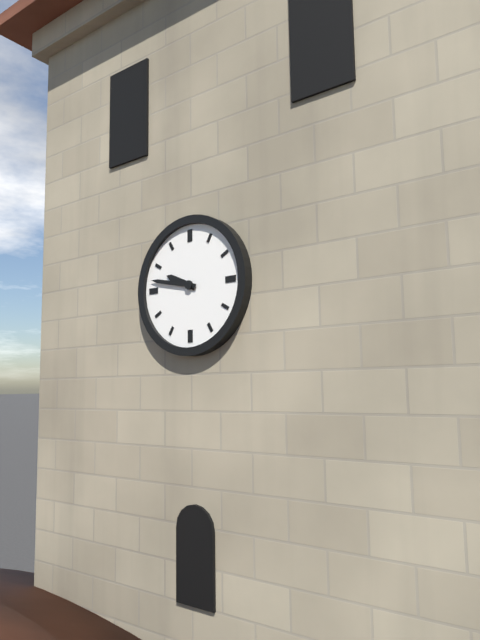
9:47
